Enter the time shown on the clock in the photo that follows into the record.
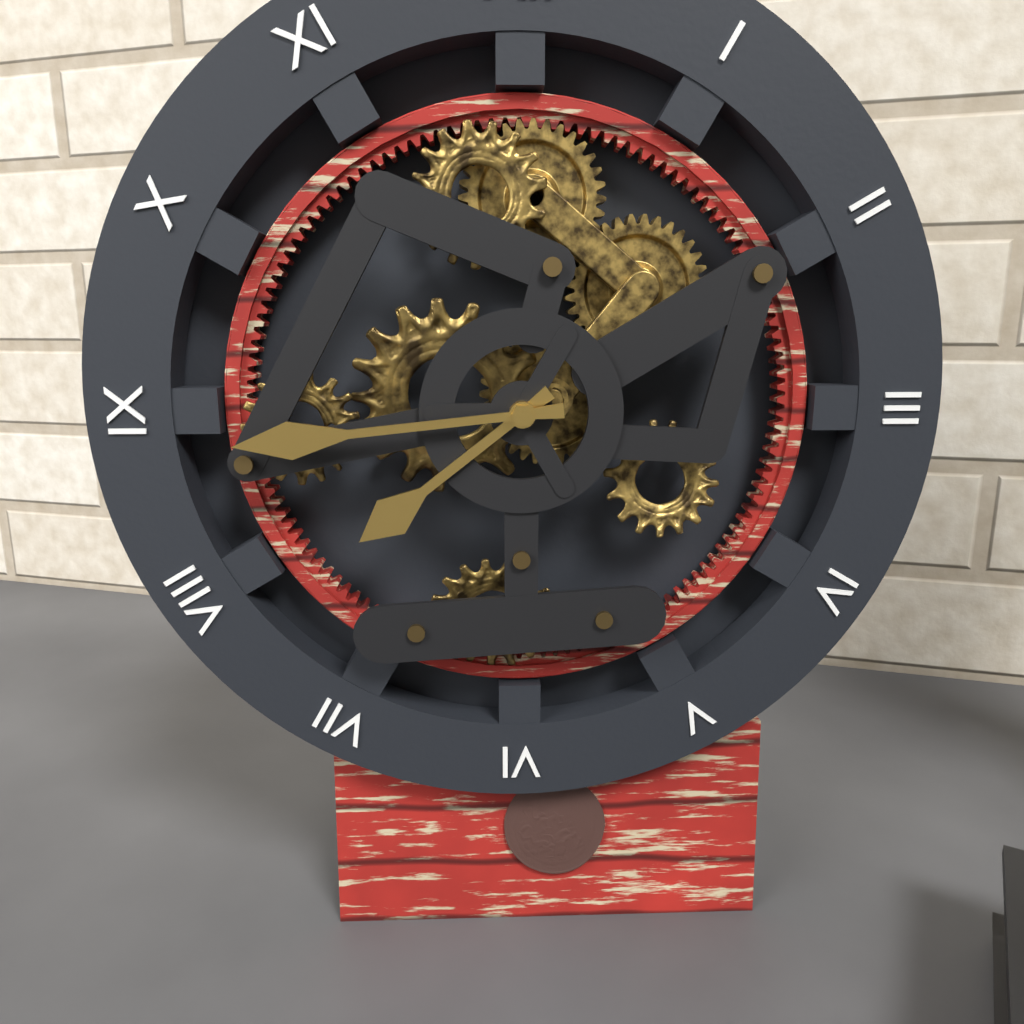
7:44
